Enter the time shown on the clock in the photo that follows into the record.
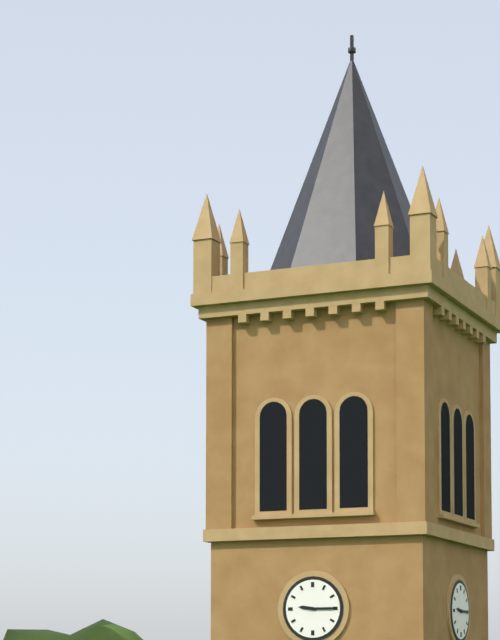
9:15
